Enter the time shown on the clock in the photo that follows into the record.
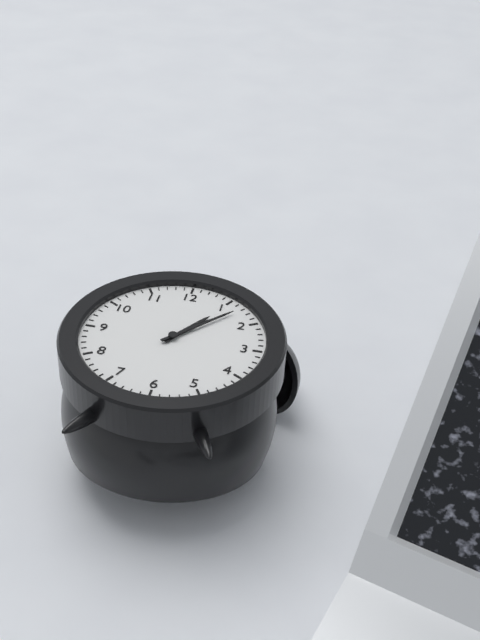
1:07
